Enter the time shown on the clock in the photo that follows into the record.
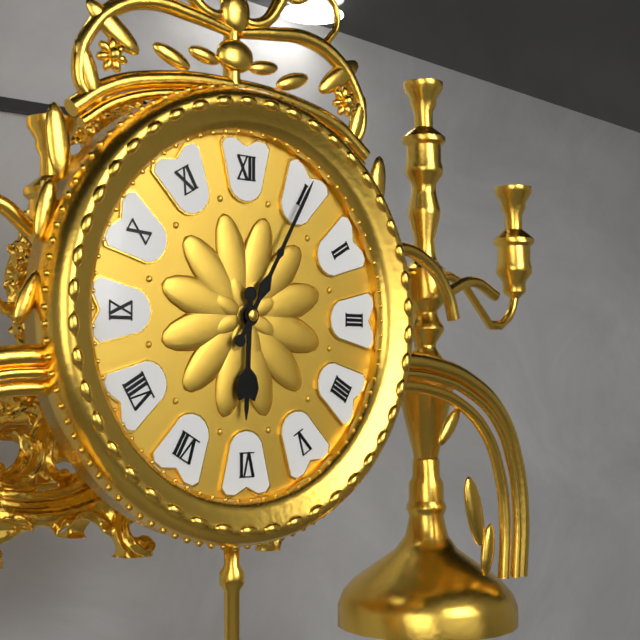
6:05
